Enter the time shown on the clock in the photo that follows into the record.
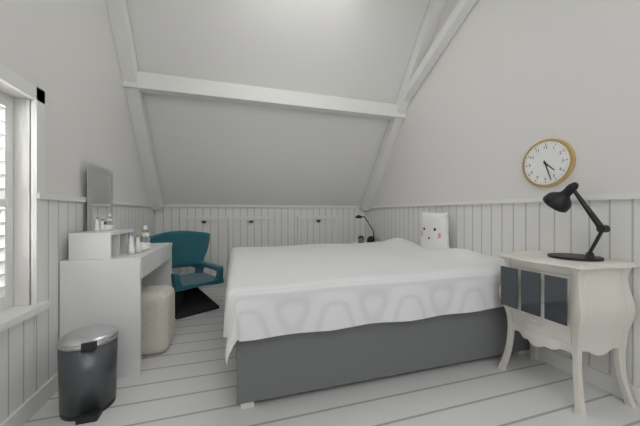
4:27
